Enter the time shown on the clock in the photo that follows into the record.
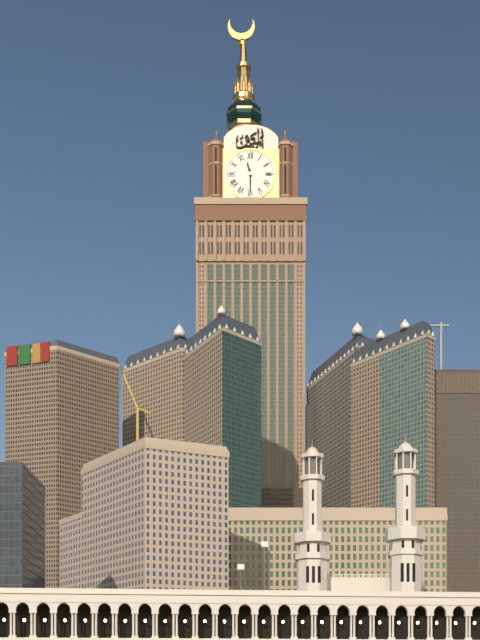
11:30
